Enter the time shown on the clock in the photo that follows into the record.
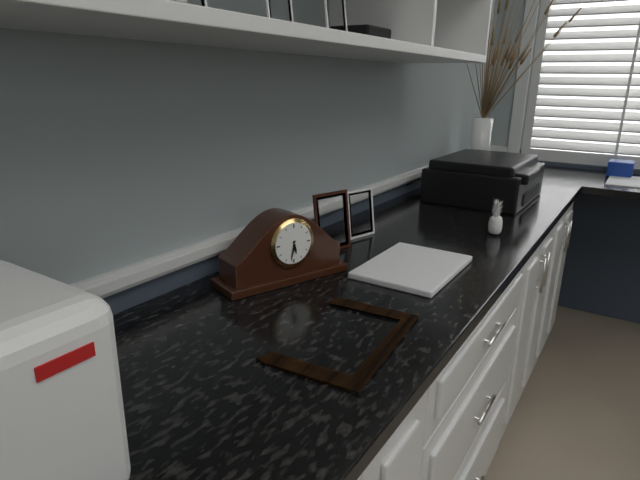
5:32
